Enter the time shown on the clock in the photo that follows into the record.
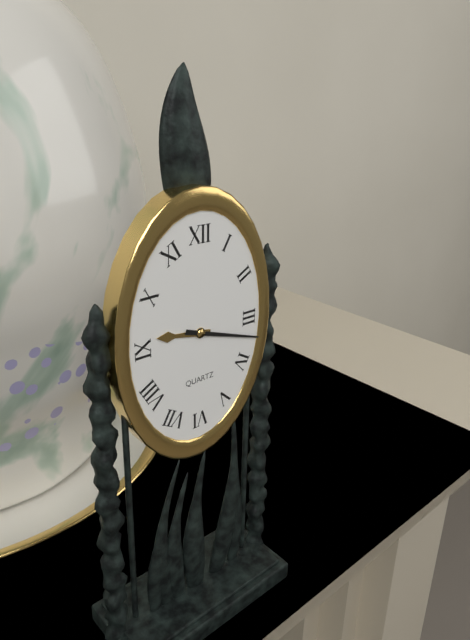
9:18
